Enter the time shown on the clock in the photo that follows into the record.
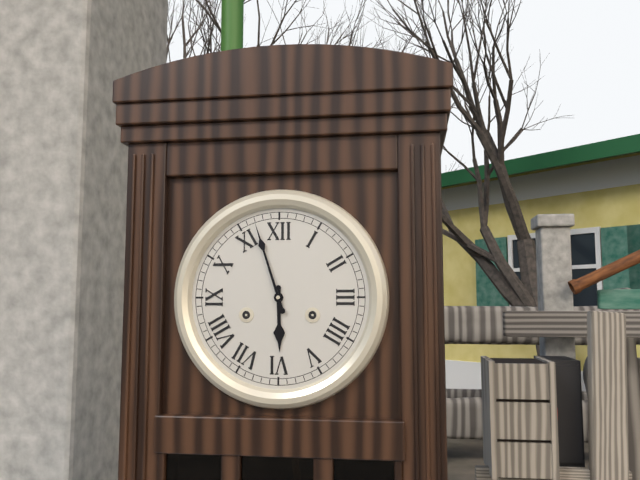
5:57
